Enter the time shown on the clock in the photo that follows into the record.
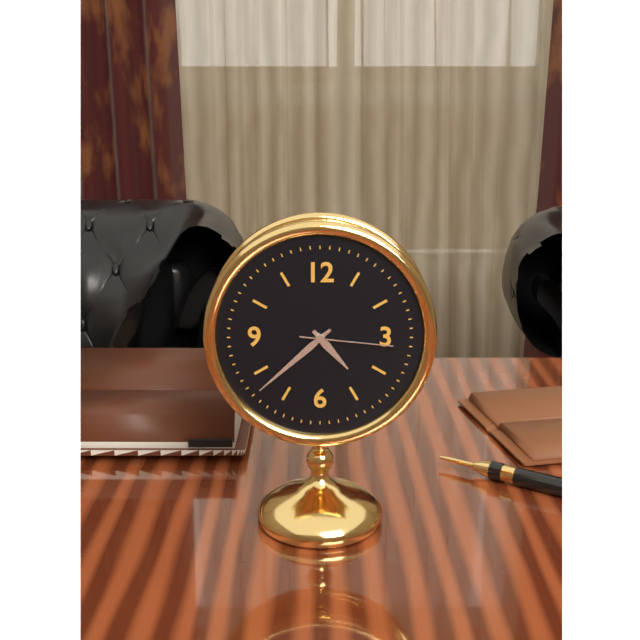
4:38:16
